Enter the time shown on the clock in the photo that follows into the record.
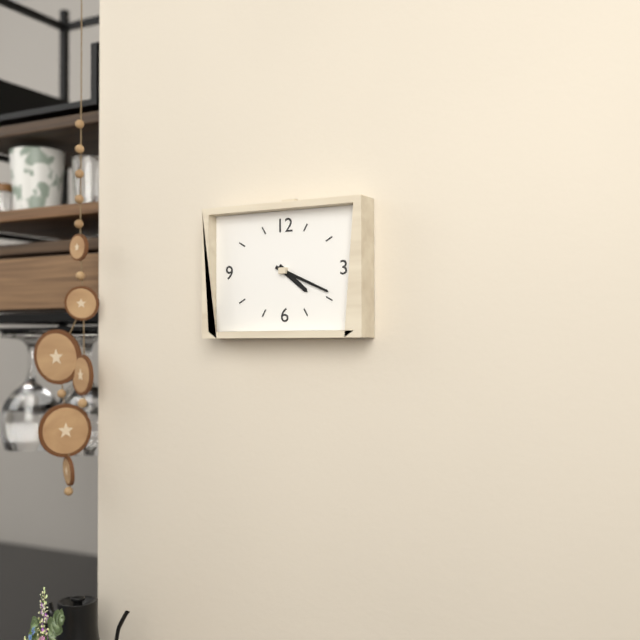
4:19
